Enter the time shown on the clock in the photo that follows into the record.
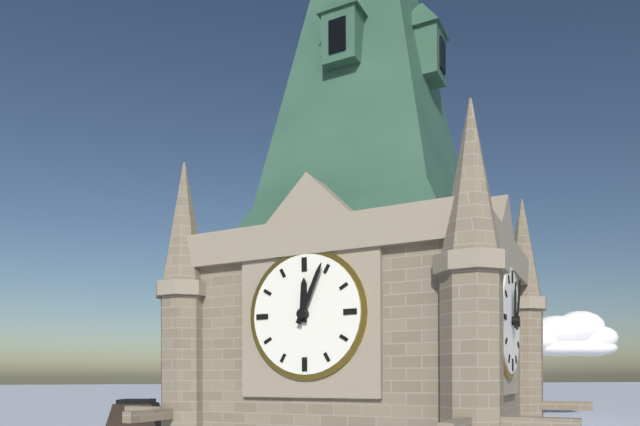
12:04
